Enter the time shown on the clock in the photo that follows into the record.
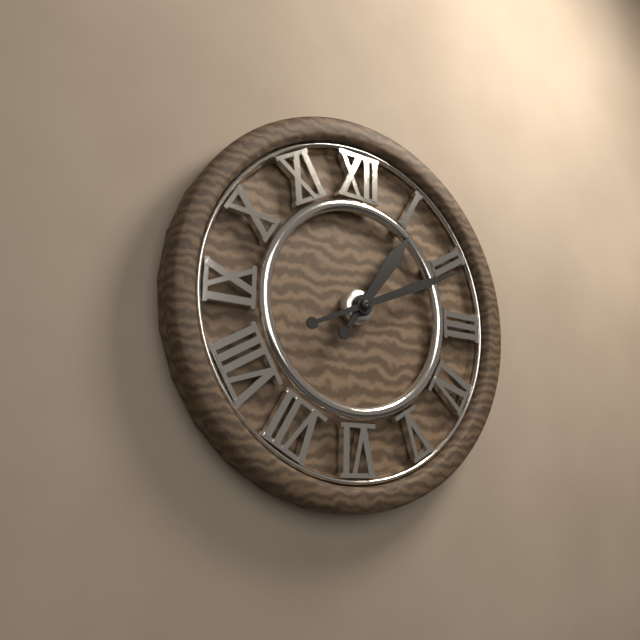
1:11
